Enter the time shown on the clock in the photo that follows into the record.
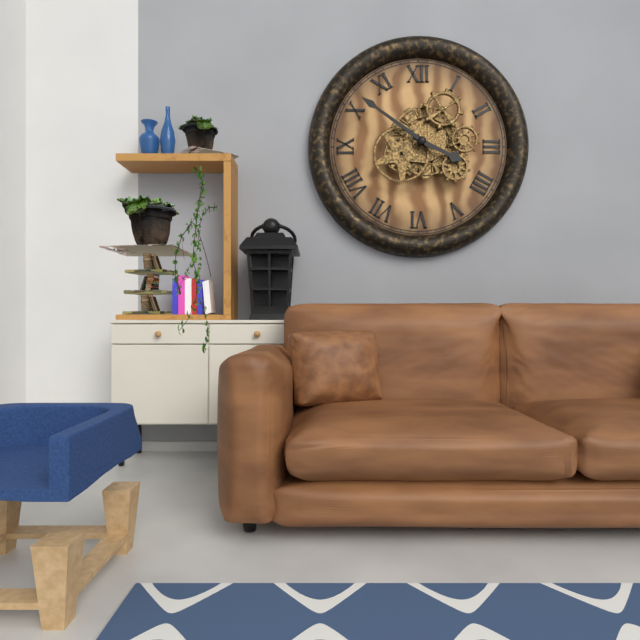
3:51
